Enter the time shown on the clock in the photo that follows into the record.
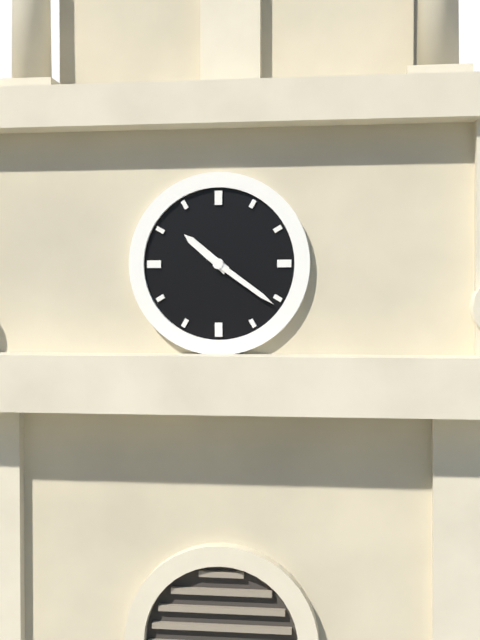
10:21
